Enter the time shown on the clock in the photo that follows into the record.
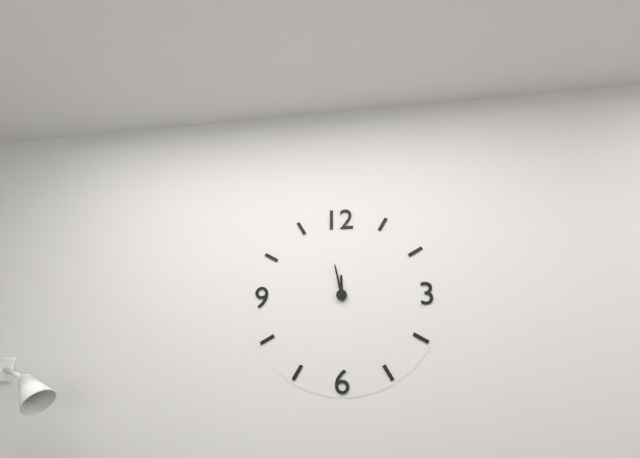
11:58
